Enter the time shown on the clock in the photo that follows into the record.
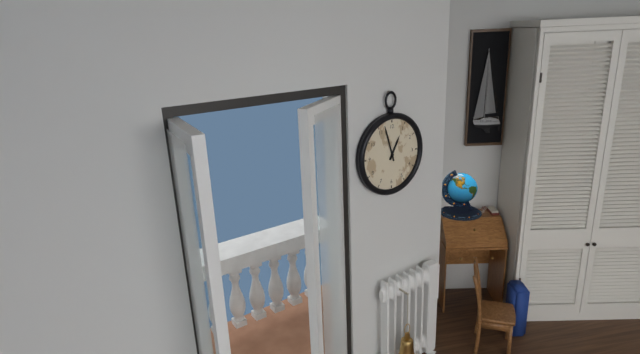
12:57
